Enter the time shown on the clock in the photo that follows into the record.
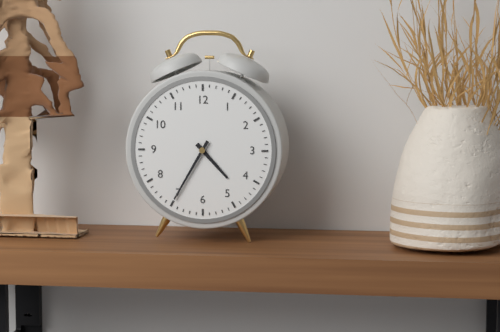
4:35
